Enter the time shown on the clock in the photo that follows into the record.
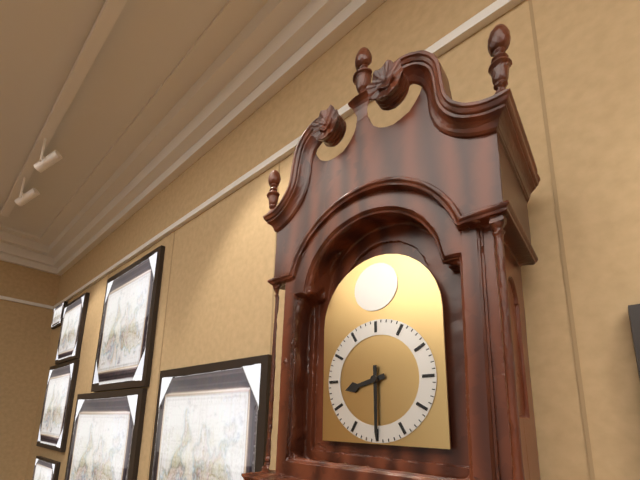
8:30
